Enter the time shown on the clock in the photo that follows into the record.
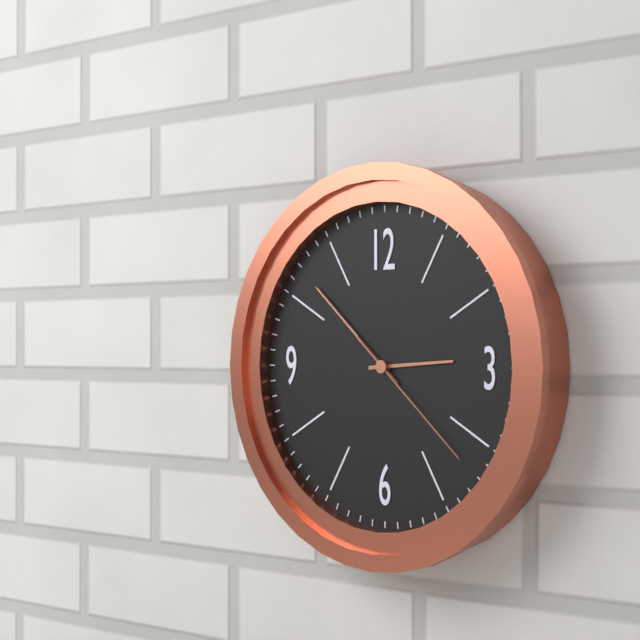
2:52:22
